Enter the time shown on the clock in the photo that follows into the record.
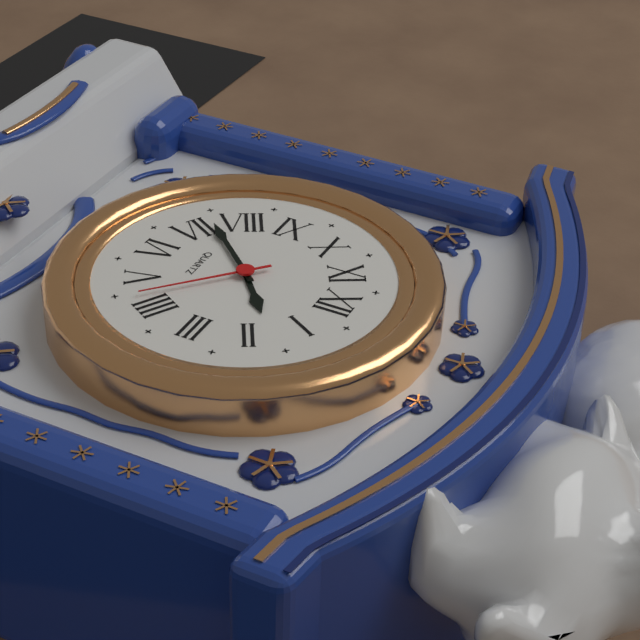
1:37:22
